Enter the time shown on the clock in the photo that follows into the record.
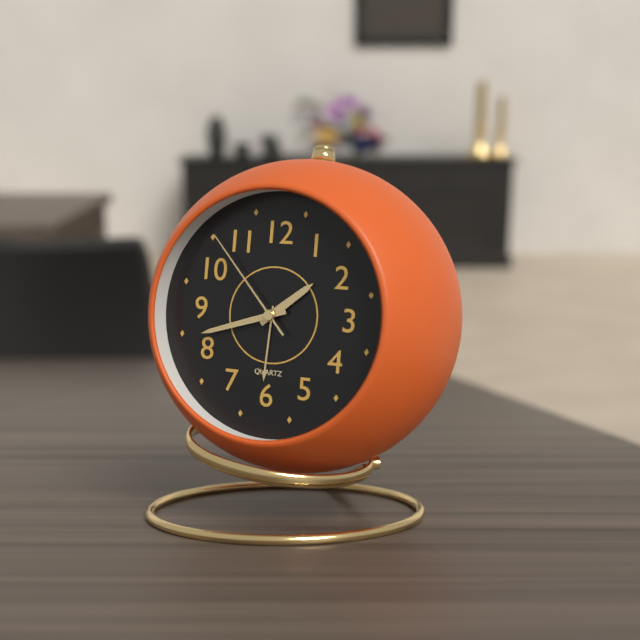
1:42:53
